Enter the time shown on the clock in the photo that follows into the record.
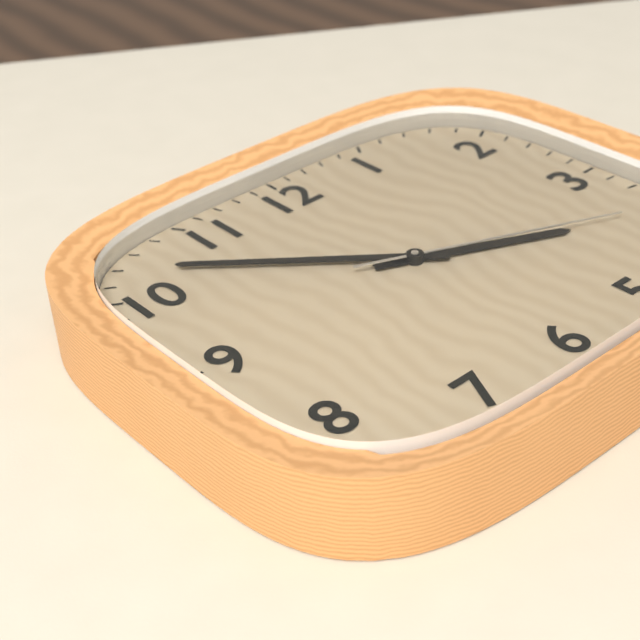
3:52:19
